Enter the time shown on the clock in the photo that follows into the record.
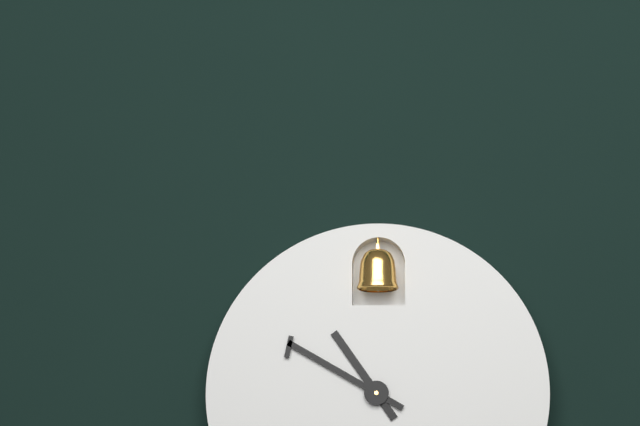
10:50
